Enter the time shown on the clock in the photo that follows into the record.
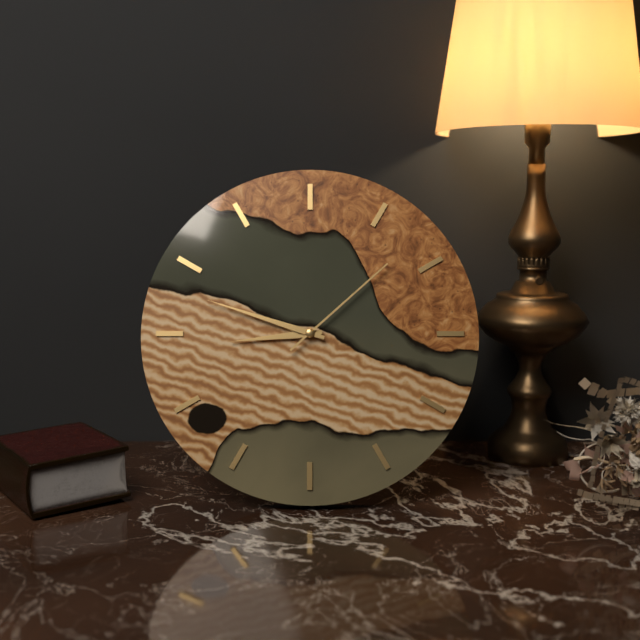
8:48:08
